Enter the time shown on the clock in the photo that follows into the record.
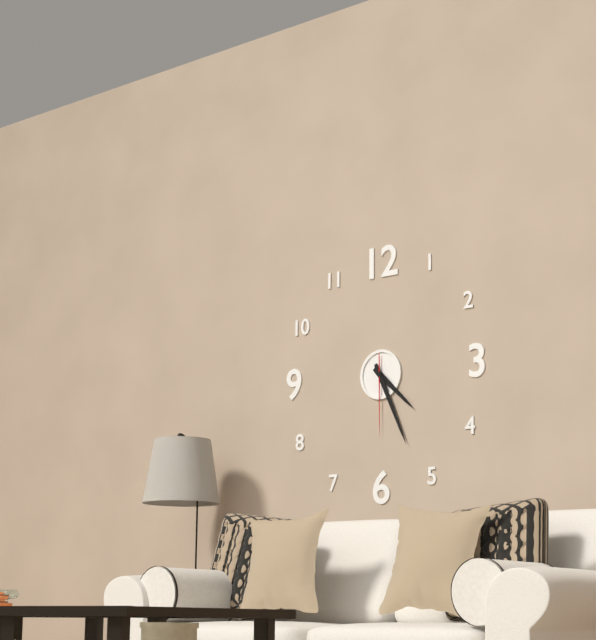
4:26:30
